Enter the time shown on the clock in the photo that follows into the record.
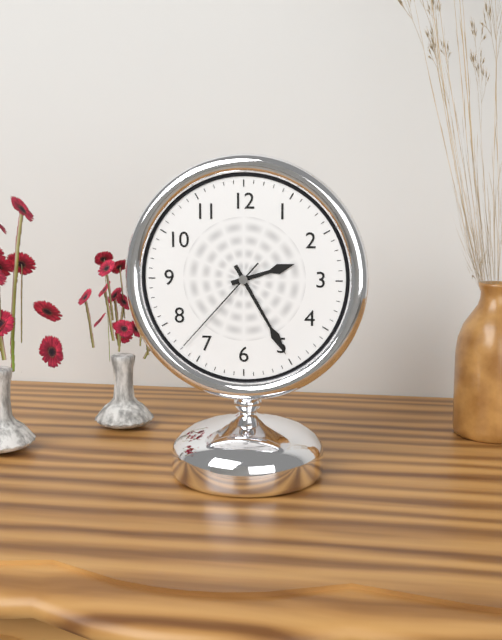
2:25:37
